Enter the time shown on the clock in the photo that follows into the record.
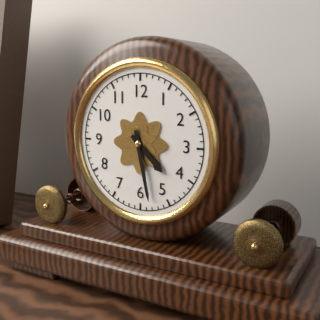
4:28
